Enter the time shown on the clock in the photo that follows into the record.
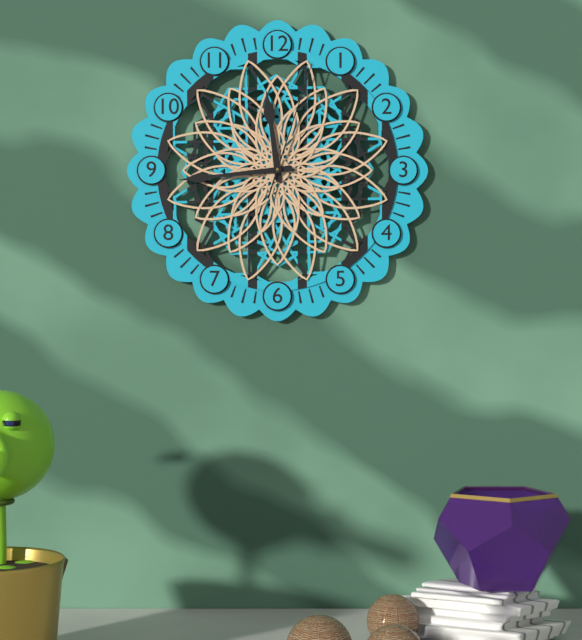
11:44:03
